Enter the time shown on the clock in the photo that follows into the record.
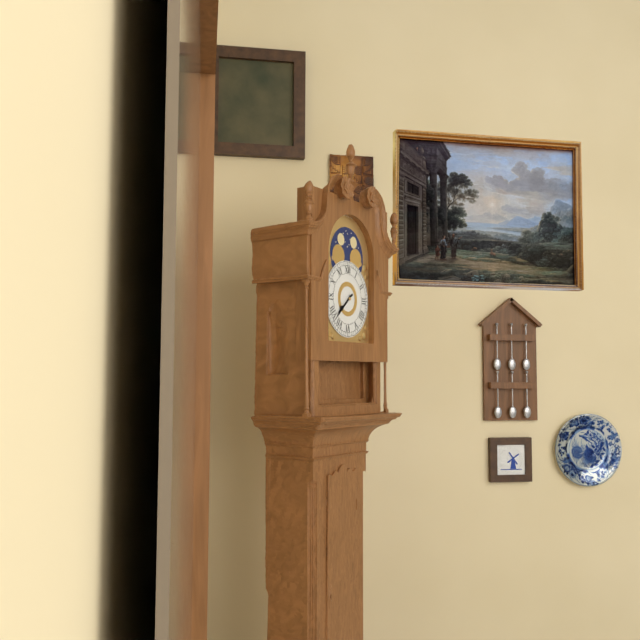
7:38
